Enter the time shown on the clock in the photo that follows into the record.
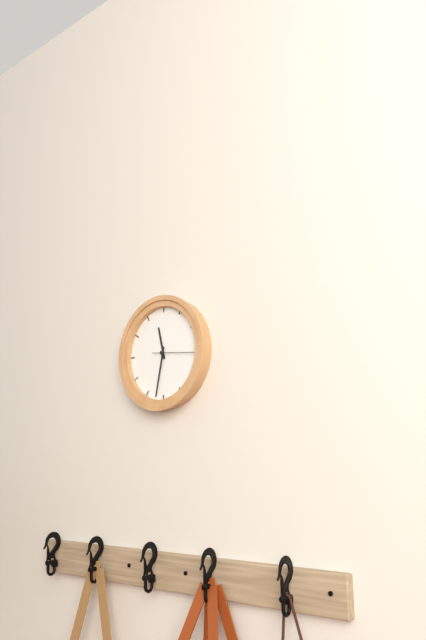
11:32
